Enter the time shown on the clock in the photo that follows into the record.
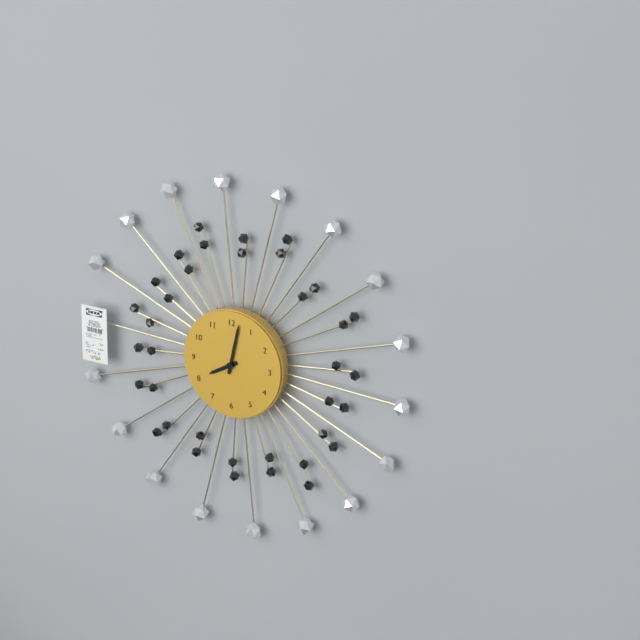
8:02
